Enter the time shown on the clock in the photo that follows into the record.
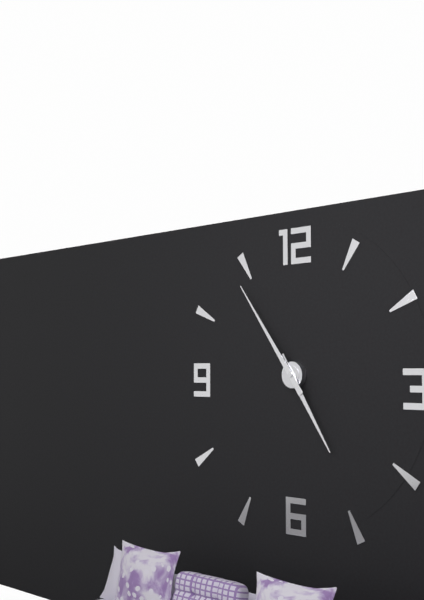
4:54
